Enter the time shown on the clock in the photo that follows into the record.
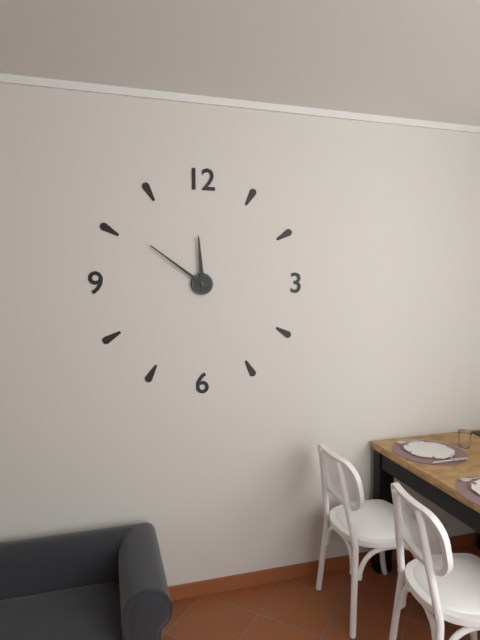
11:51
